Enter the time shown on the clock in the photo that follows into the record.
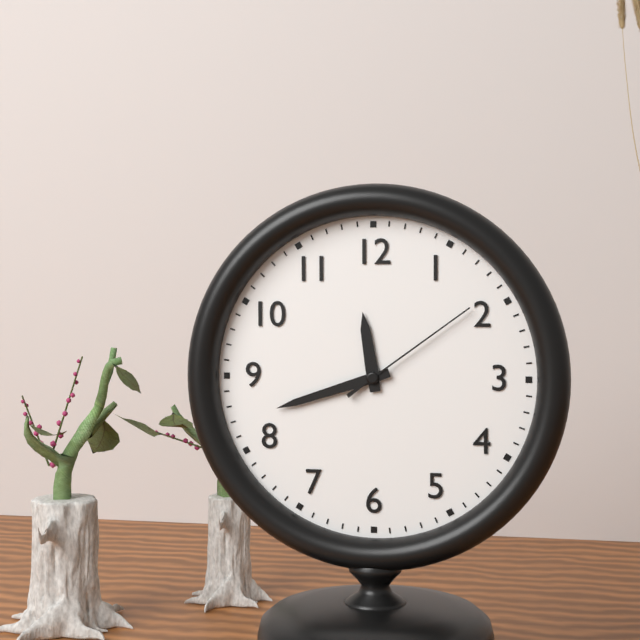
11:42:09
